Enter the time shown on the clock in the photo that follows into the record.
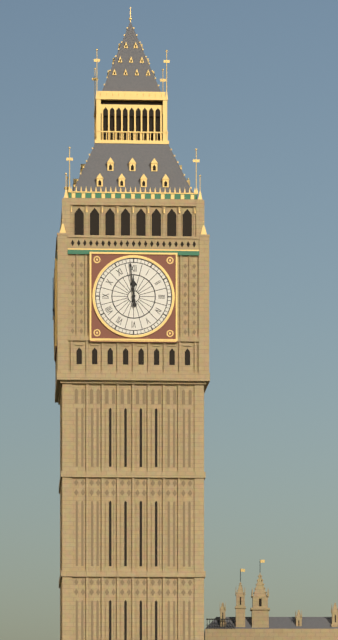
11:59
